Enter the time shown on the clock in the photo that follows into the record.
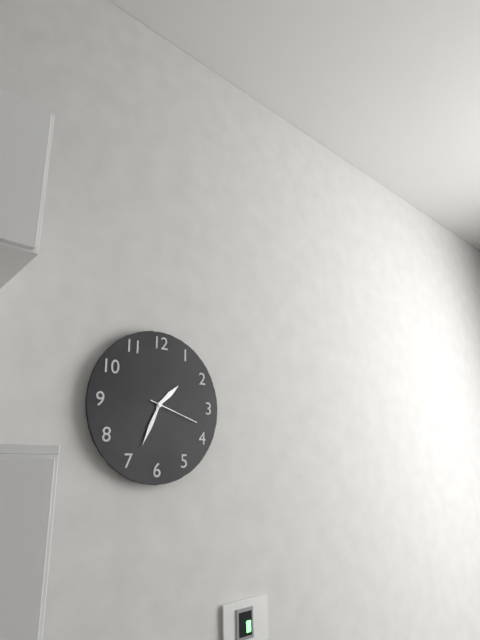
1:34:18
